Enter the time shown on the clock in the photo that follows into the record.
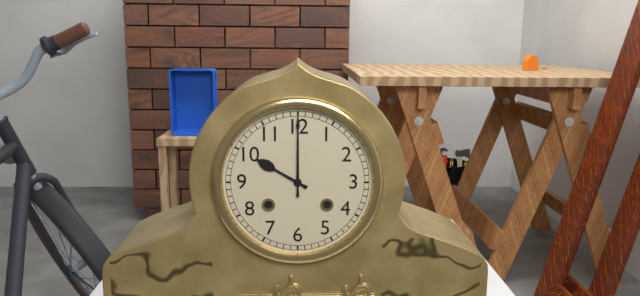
10:00
